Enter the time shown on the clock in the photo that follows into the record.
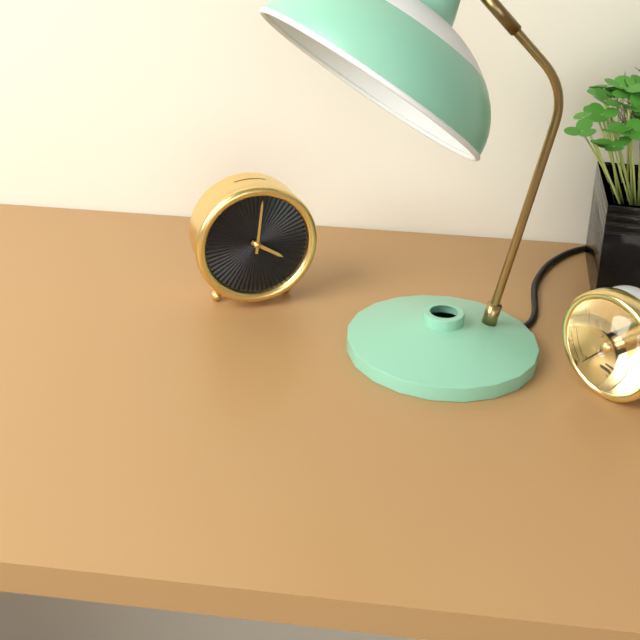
4:01
